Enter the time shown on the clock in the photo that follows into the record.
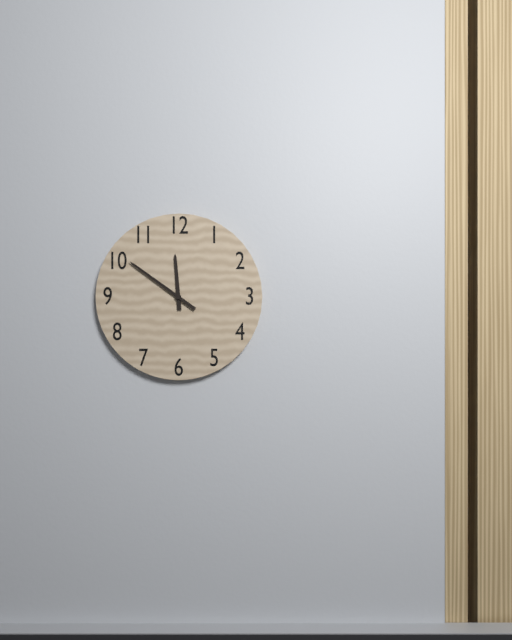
11:51
